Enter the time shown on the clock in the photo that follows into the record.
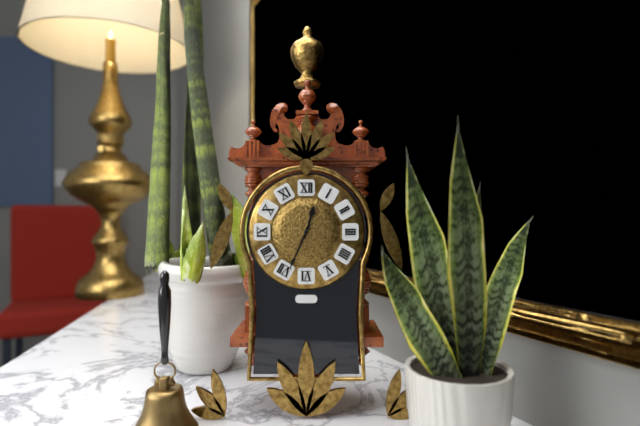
12:34
